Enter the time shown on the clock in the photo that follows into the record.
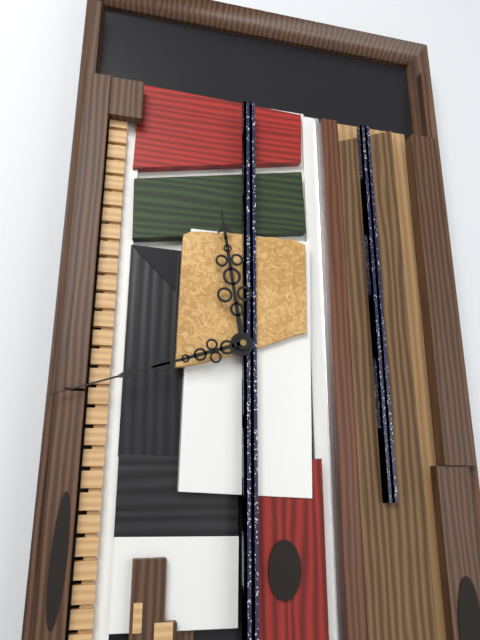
11:42
